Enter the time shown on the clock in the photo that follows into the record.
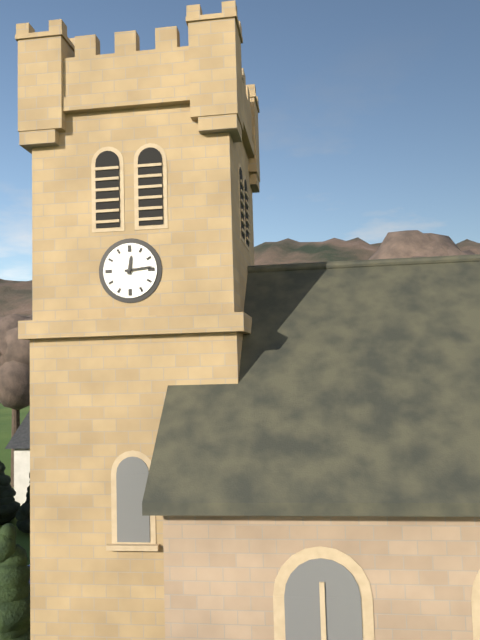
12:14
